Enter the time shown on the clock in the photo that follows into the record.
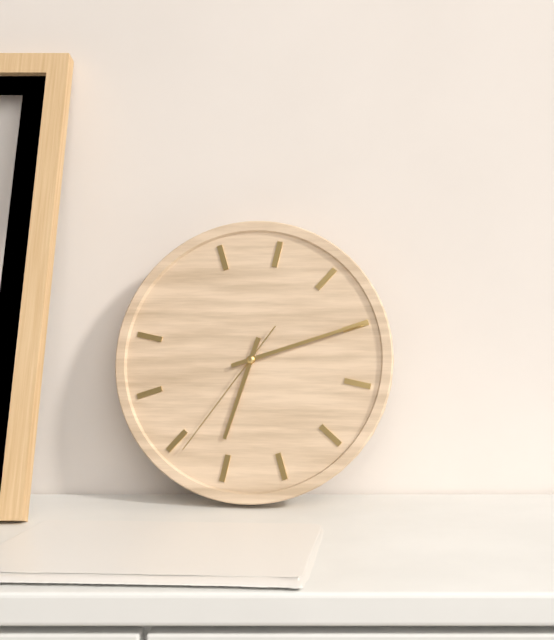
6:10:34
